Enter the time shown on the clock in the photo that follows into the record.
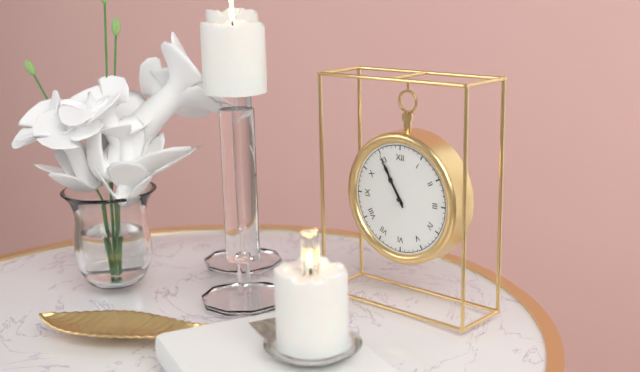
10:55
